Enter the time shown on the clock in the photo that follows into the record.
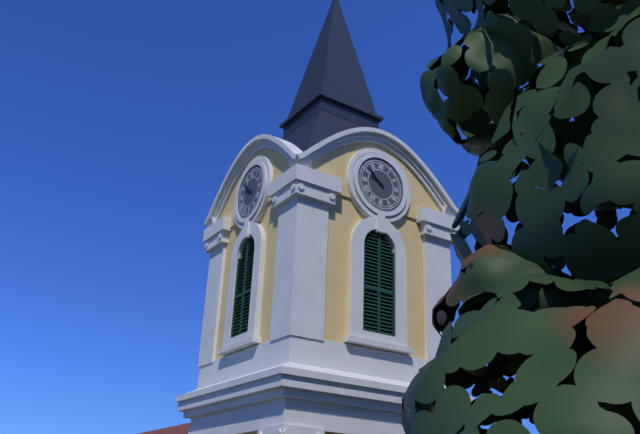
9:52
